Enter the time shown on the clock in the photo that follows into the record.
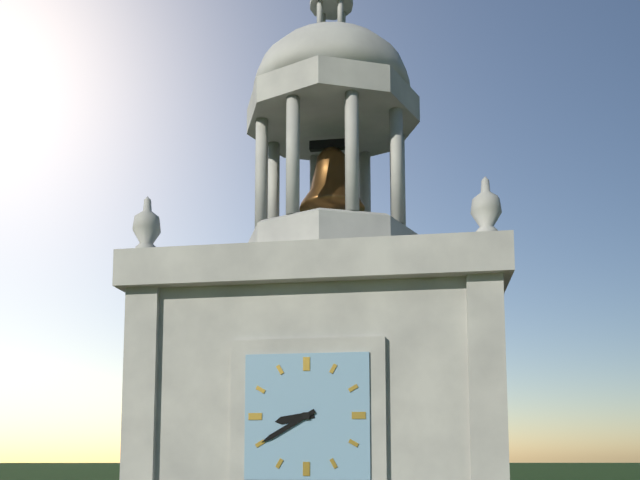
8:40
